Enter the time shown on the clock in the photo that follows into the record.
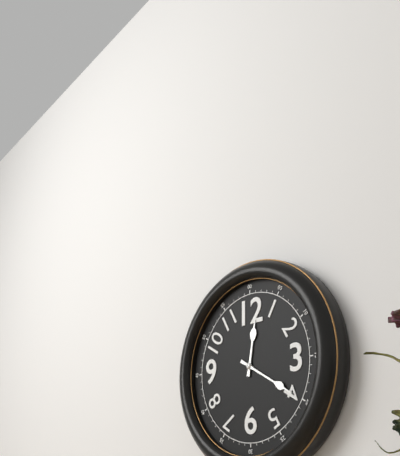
12:20
